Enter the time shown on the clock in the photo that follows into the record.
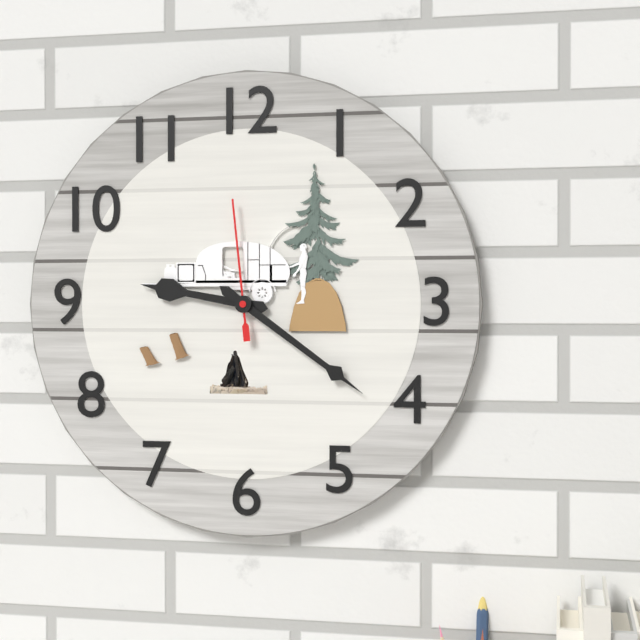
9:21:59
